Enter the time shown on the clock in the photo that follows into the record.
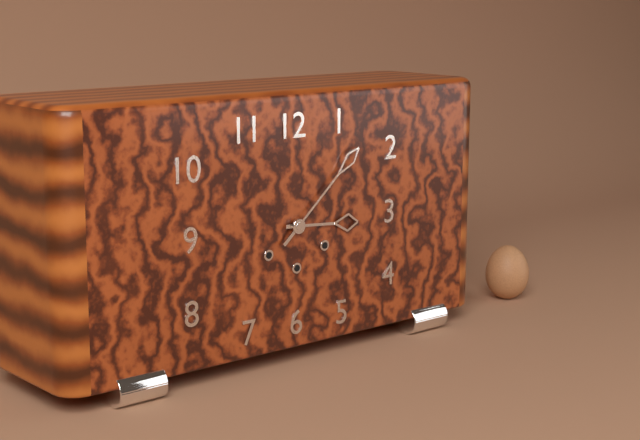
3:08
